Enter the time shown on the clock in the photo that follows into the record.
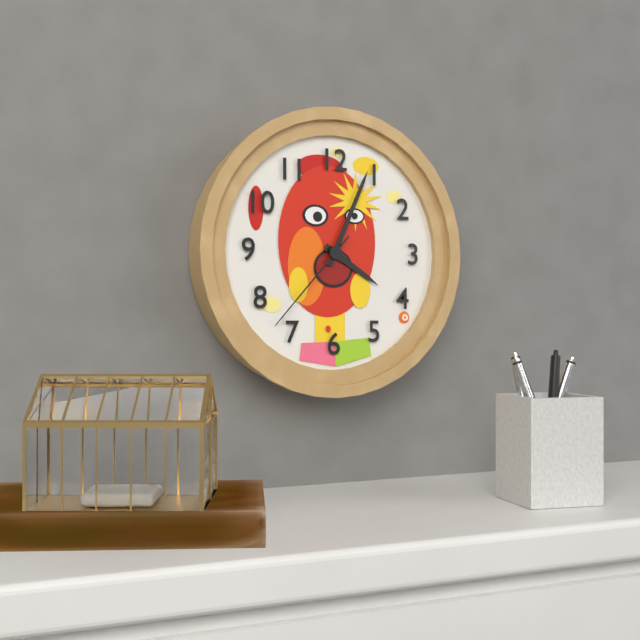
4:04:37
